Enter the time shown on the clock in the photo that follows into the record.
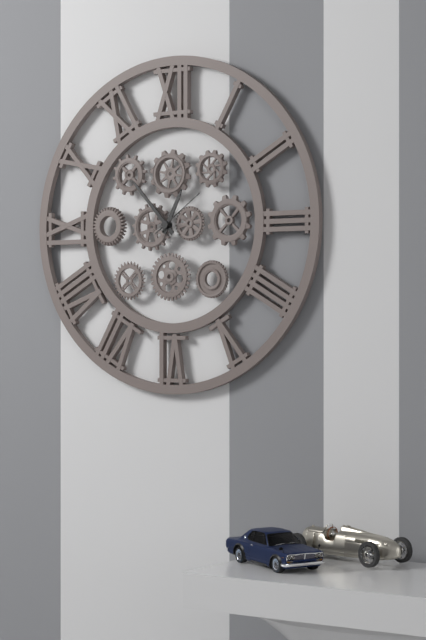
12:53:09
